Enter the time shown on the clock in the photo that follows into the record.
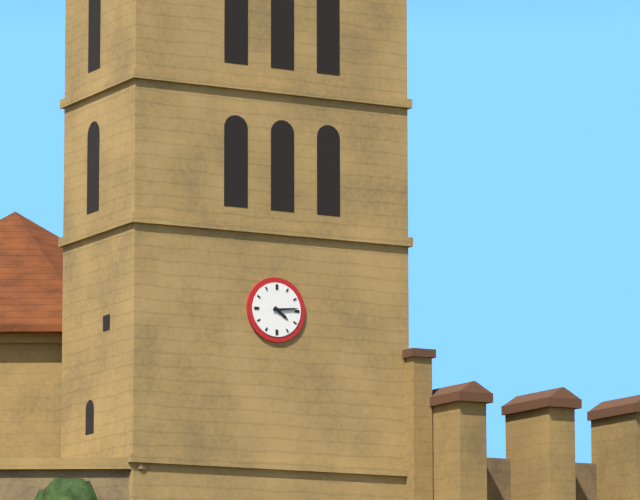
4:14
